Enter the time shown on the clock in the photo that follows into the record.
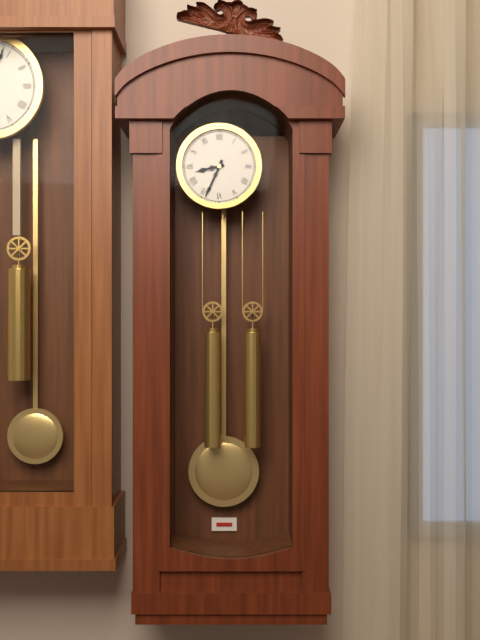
8:34
